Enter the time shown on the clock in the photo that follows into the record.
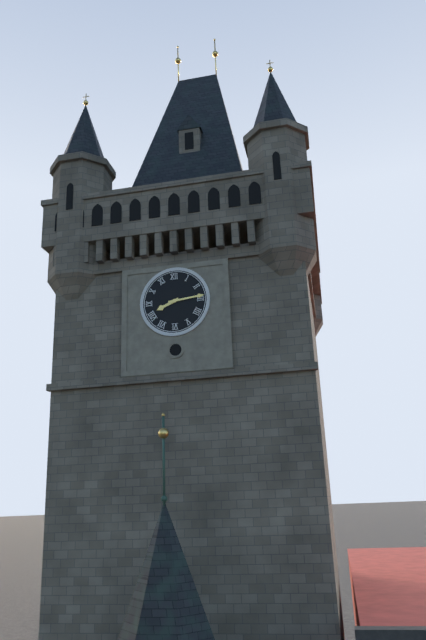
8:14
